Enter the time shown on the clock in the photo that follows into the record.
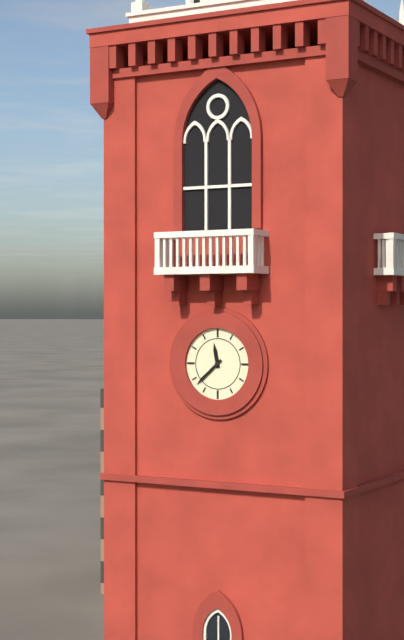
11:38
